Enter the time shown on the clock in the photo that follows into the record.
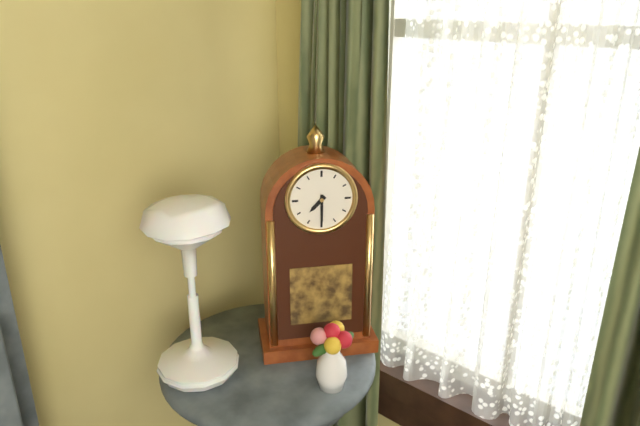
7:30
